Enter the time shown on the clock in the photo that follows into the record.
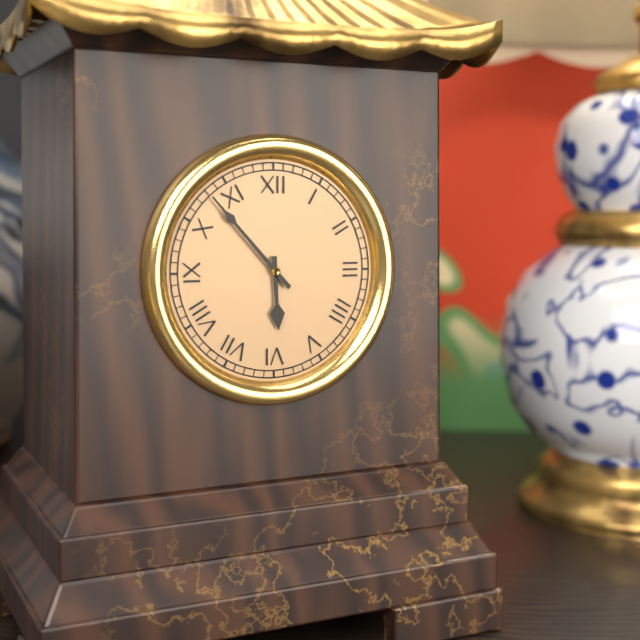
5:53
